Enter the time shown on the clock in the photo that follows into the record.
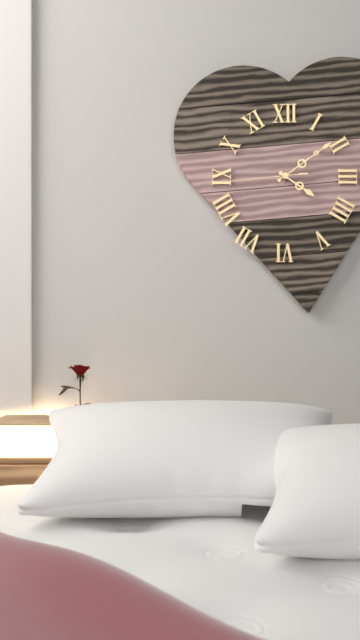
4:09:44
